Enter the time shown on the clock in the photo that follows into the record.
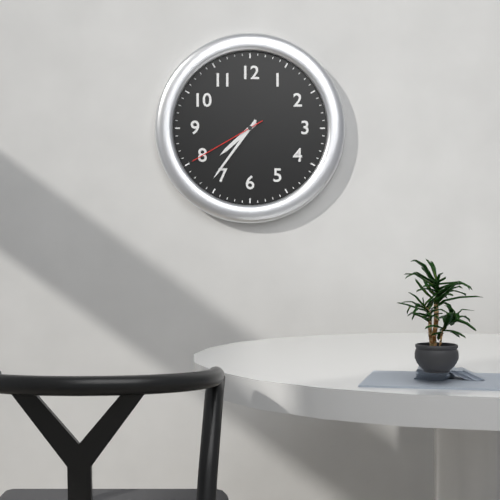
7:36:40
